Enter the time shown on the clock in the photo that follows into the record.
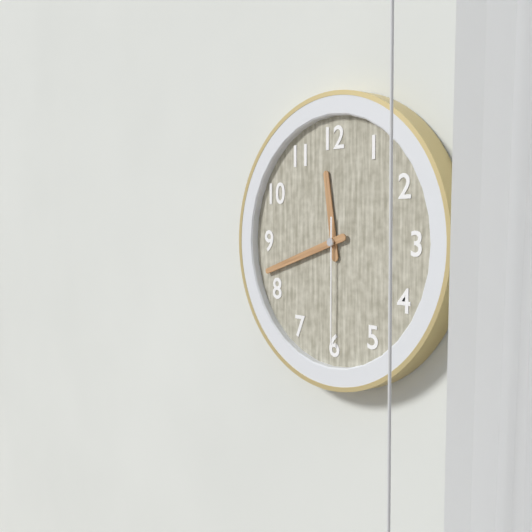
11:42:30
